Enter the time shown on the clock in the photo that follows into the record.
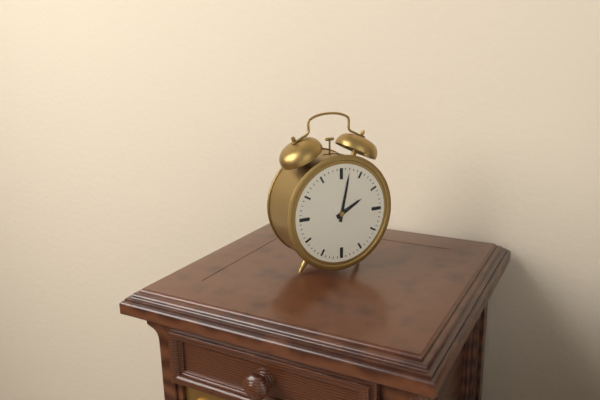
2:02
